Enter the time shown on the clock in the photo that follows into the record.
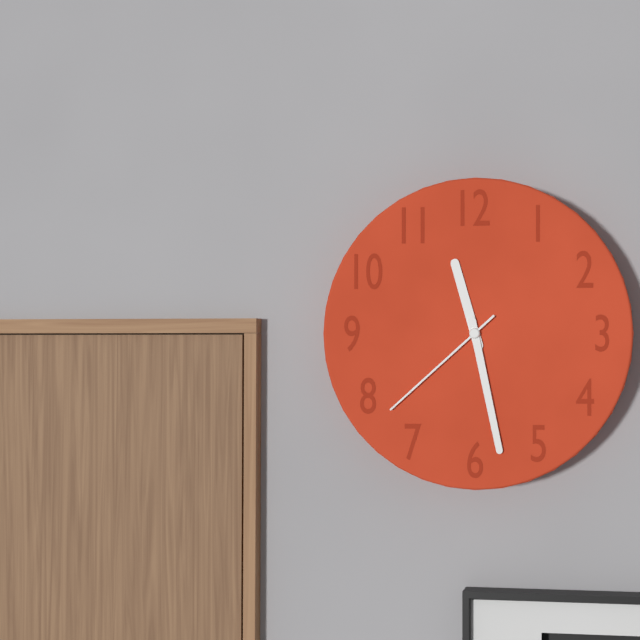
11:28:38
